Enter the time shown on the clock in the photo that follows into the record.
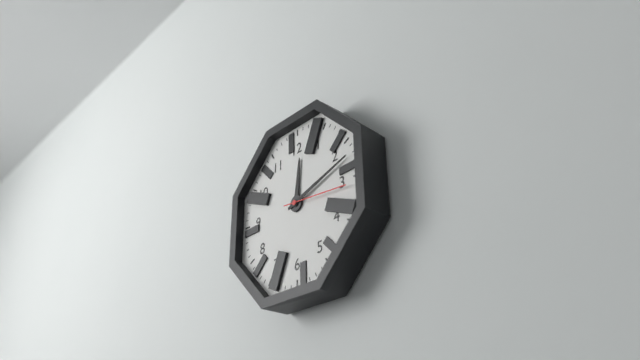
12:12:16
